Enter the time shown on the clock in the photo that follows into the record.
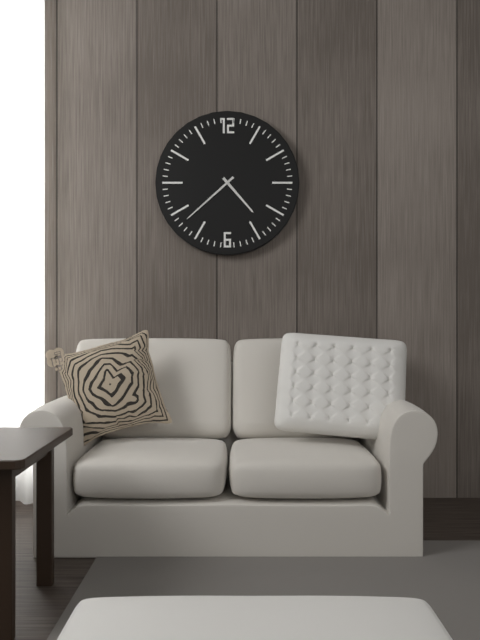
4:38
